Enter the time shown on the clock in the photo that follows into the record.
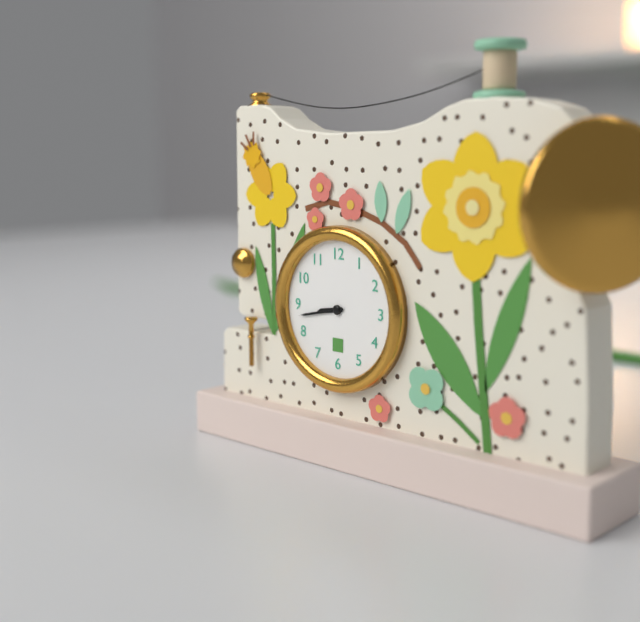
8:43
